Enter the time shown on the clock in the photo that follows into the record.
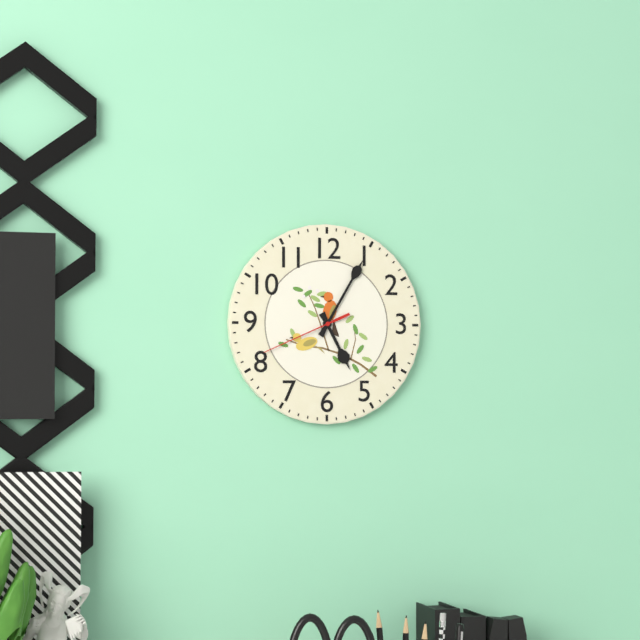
5:05:41
